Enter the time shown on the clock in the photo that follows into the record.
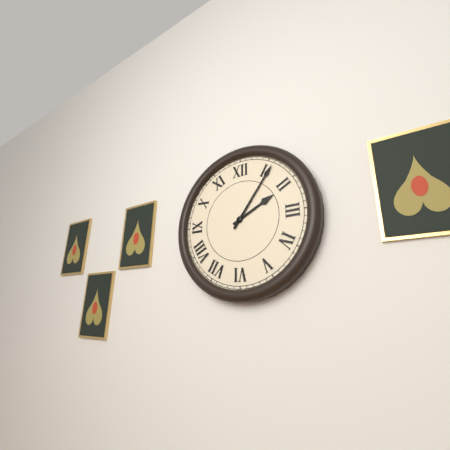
2:06
